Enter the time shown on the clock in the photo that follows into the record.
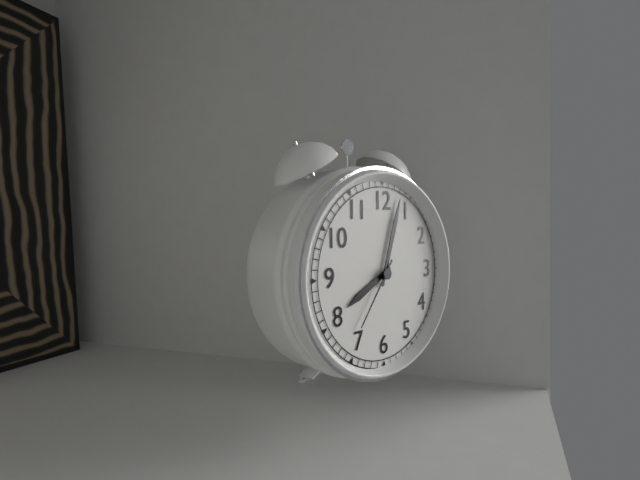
8:03:36
